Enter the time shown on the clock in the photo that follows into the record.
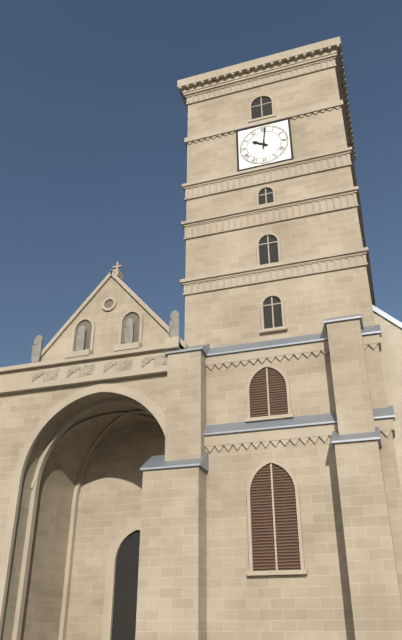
10:01
